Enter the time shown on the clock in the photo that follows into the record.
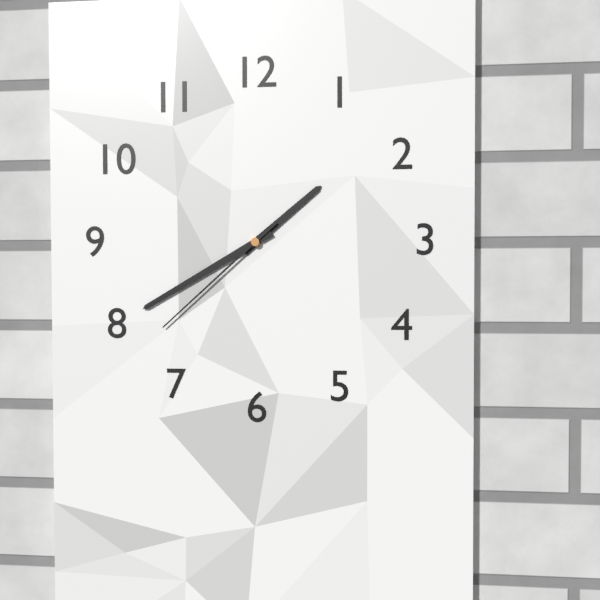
1:40:38
